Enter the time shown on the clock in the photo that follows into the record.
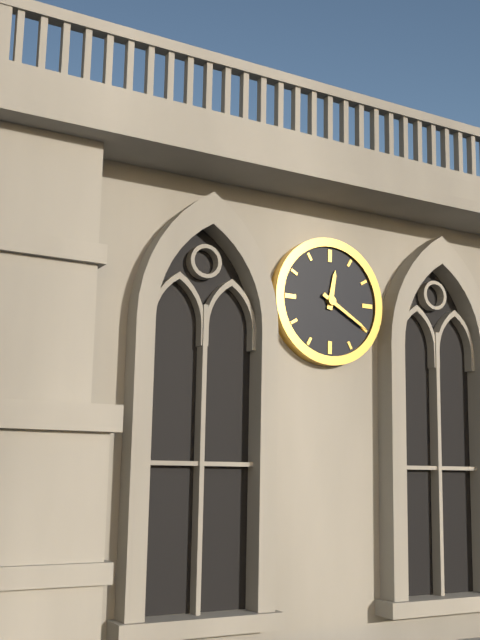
12:20
